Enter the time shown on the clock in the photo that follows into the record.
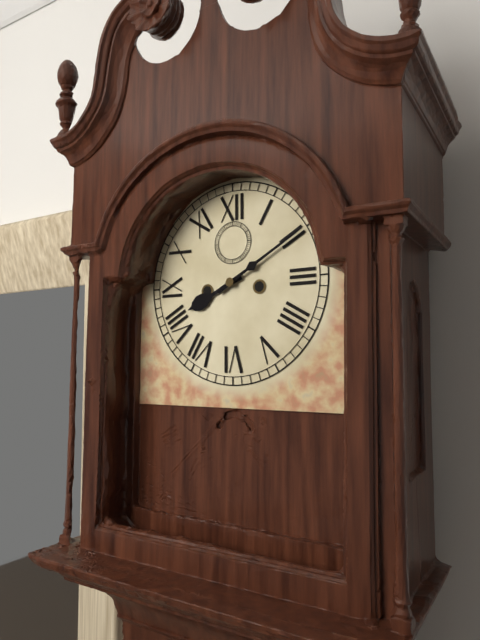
8:10
